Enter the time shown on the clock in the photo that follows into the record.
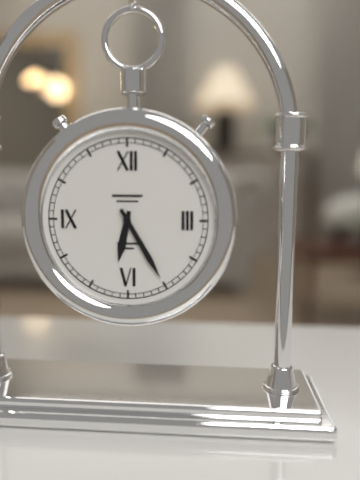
6:25
